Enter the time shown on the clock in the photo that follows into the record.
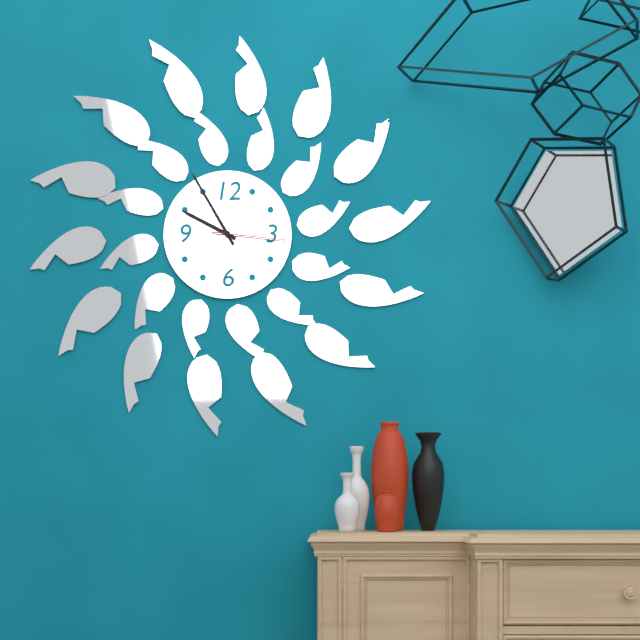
9:55:16
